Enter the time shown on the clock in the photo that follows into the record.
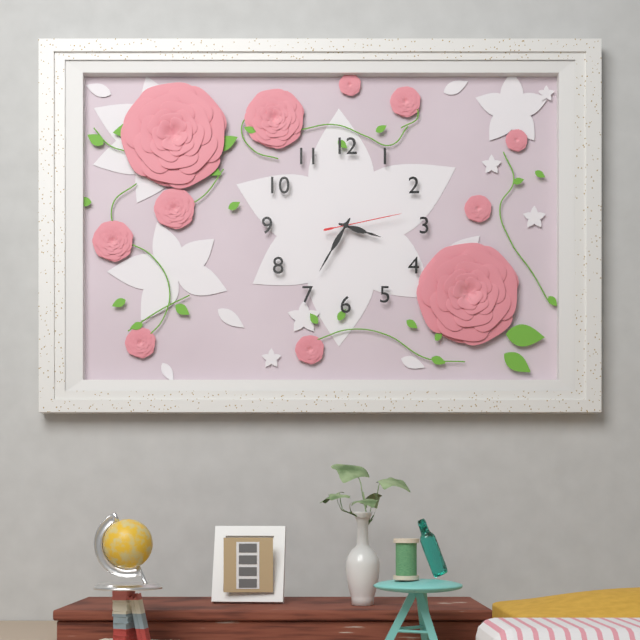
3:35:13
